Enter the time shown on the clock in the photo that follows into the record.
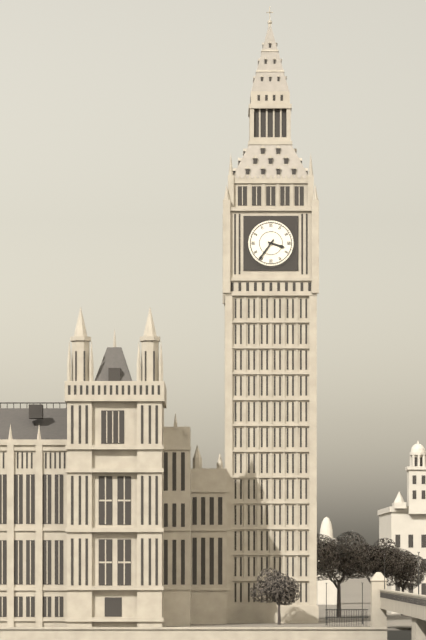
3:36
